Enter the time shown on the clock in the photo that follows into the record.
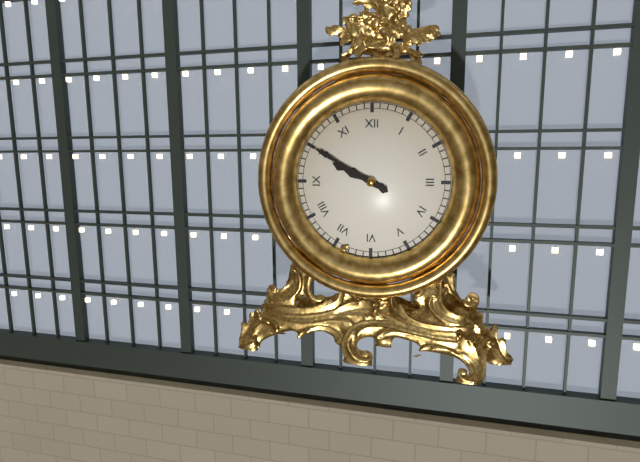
9:50
